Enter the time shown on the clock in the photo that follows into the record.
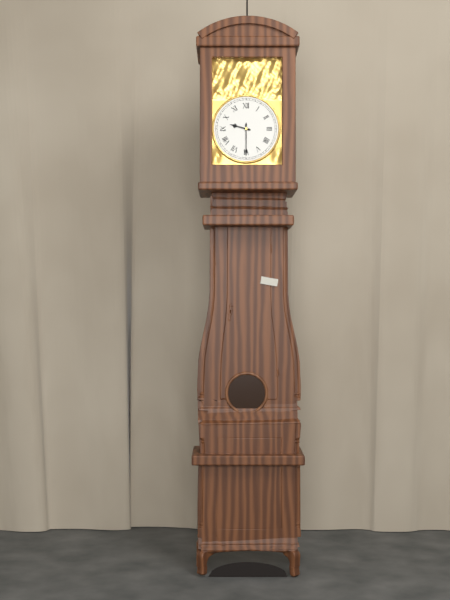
9:30
